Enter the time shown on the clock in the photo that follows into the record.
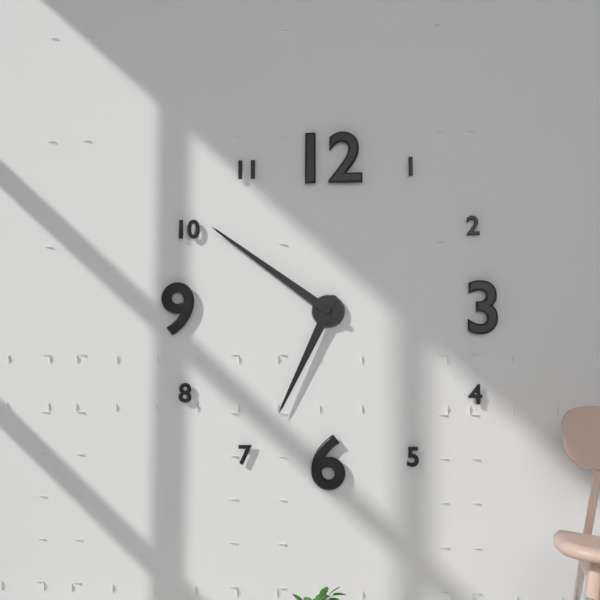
6:51
